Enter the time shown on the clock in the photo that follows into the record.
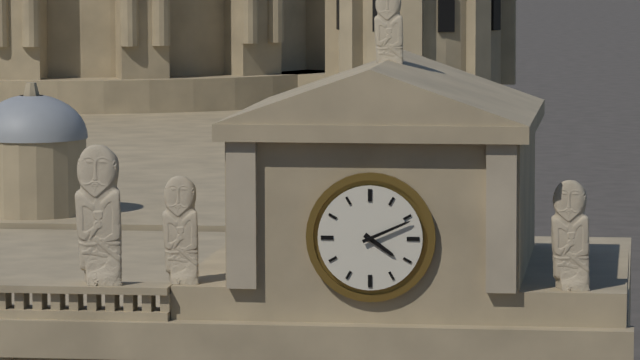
4:11
